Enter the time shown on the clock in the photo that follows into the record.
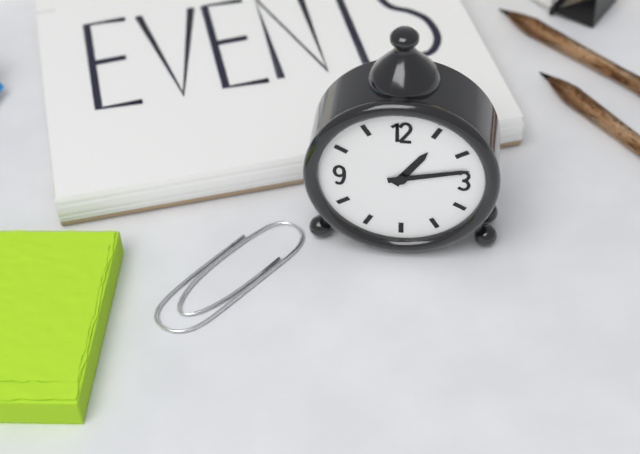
1:13
